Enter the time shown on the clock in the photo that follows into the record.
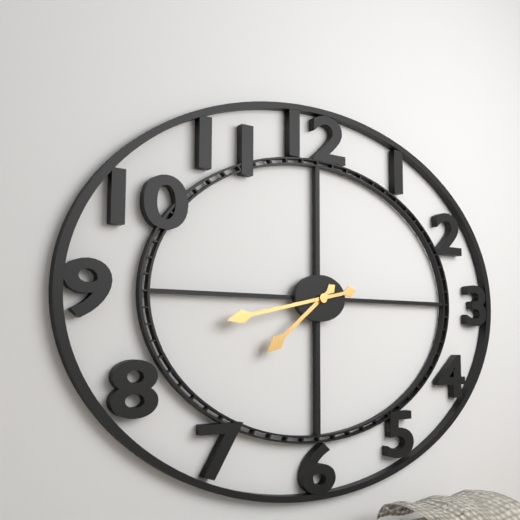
7:43
